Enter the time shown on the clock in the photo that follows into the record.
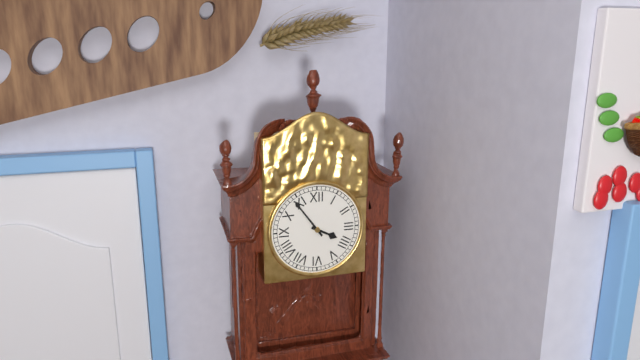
3:54
